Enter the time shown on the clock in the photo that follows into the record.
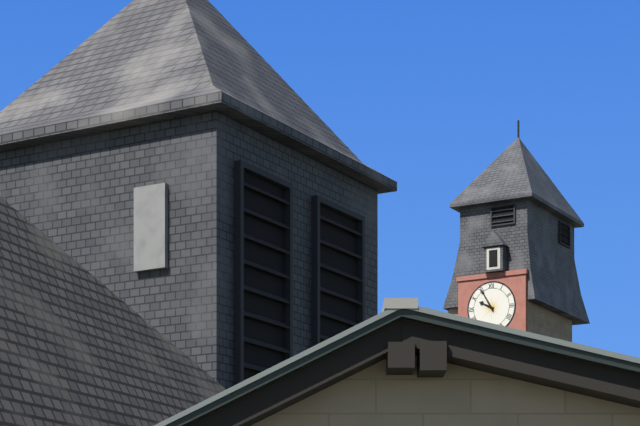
9:55
